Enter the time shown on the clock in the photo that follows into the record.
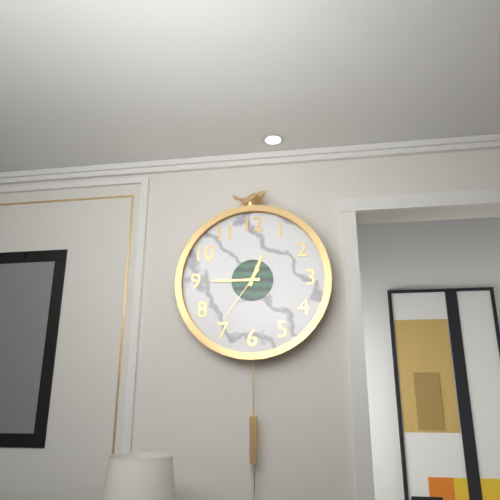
12:45:36
